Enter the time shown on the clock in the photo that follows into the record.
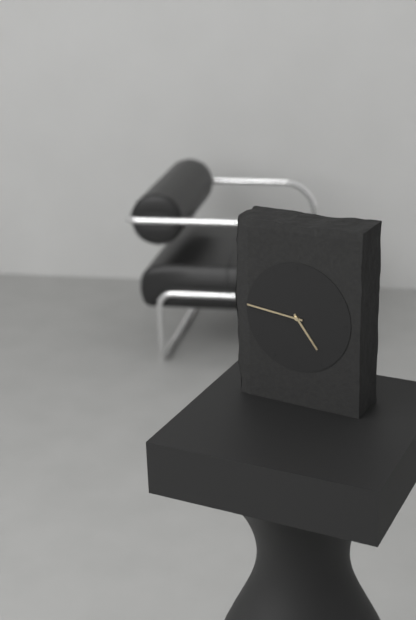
4:46
